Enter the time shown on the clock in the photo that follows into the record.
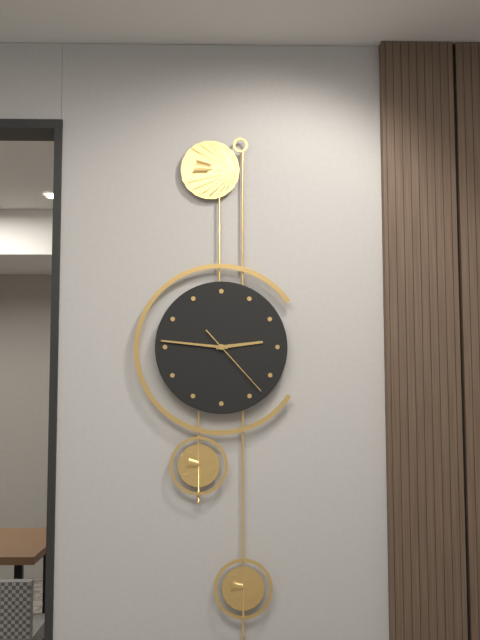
2:46:23
